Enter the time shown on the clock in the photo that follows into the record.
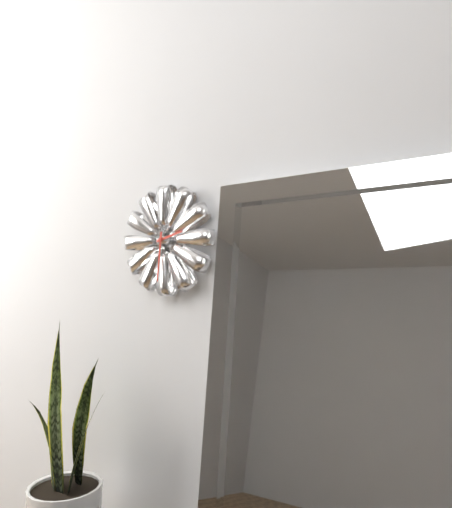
2:31
